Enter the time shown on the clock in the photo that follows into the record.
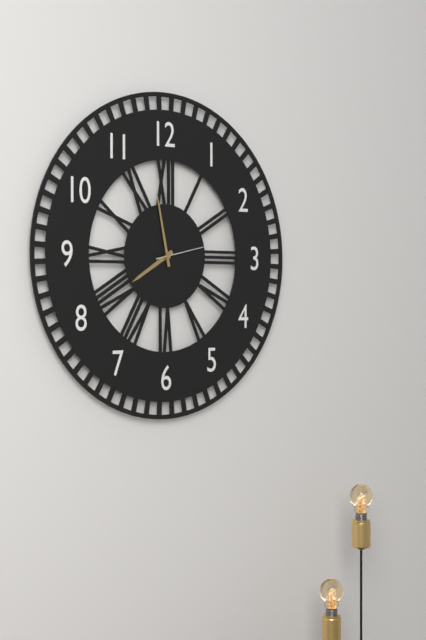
7:58:13
